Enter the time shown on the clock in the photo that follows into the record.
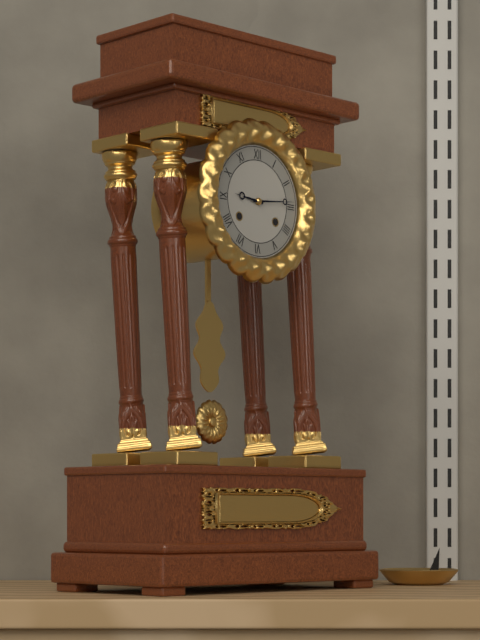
9:14
